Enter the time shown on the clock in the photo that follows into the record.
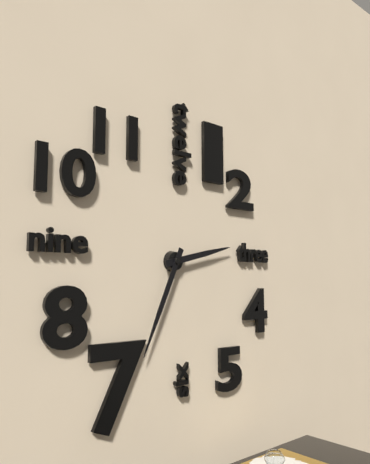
2:34
